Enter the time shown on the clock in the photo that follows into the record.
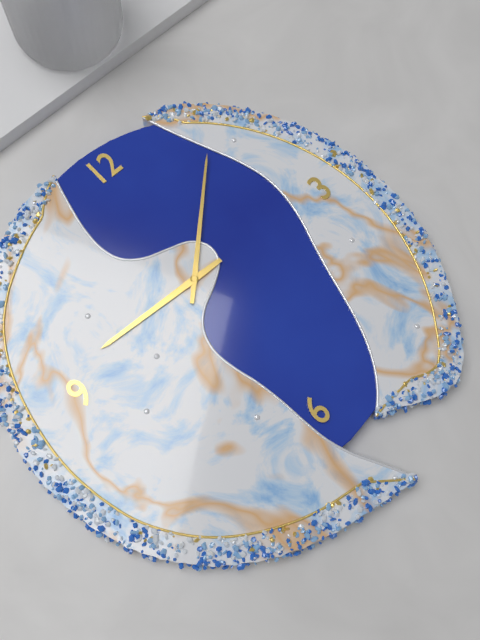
9:08
